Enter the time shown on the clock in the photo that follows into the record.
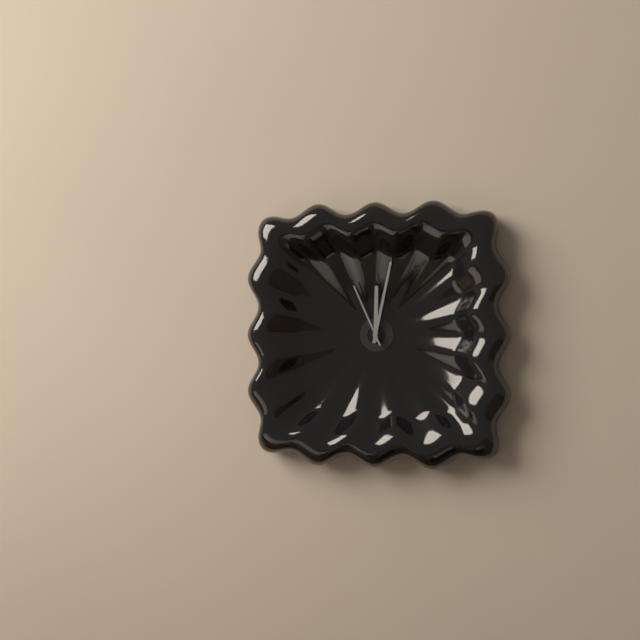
12:02:56
